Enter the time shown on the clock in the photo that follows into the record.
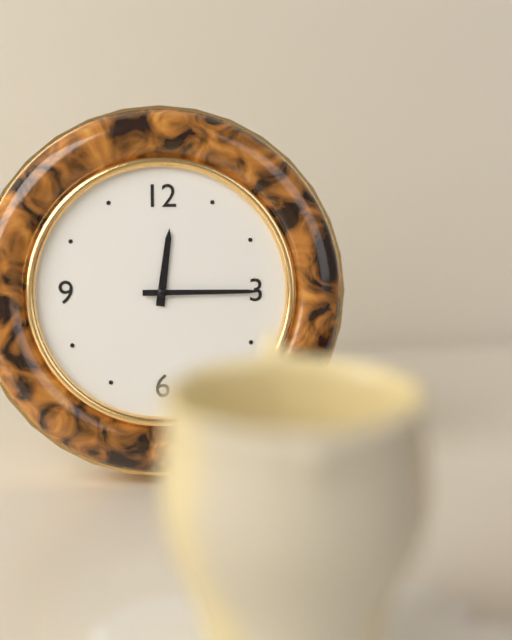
12:15
